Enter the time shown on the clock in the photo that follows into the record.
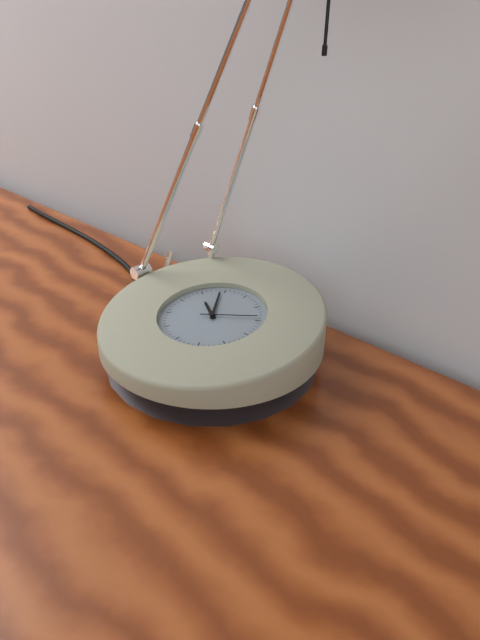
9:54:09
